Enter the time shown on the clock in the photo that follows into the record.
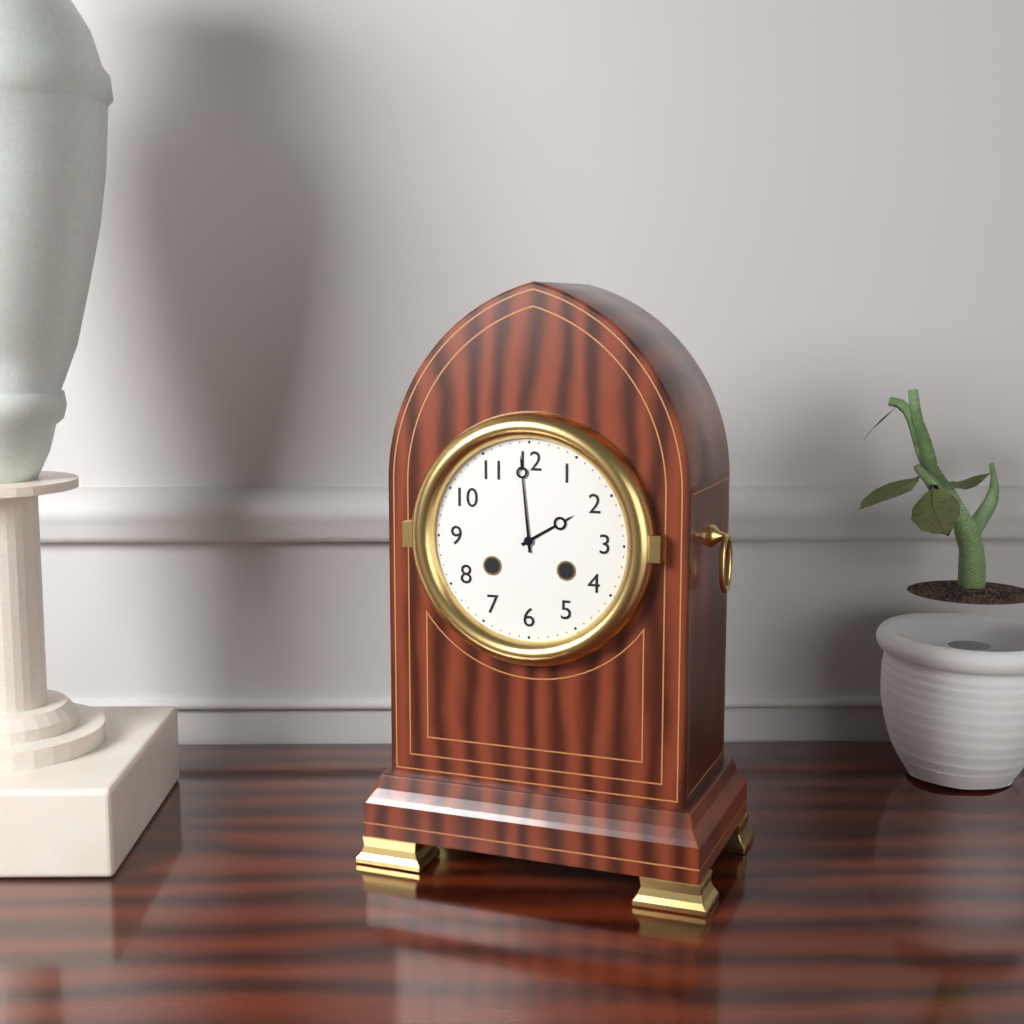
1:59
